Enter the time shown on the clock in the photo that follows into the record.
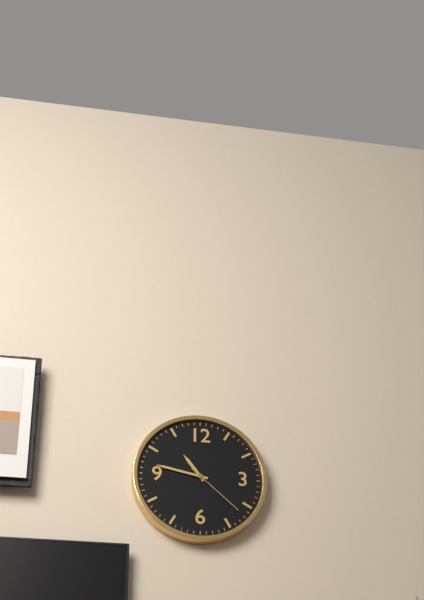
10:47:22
